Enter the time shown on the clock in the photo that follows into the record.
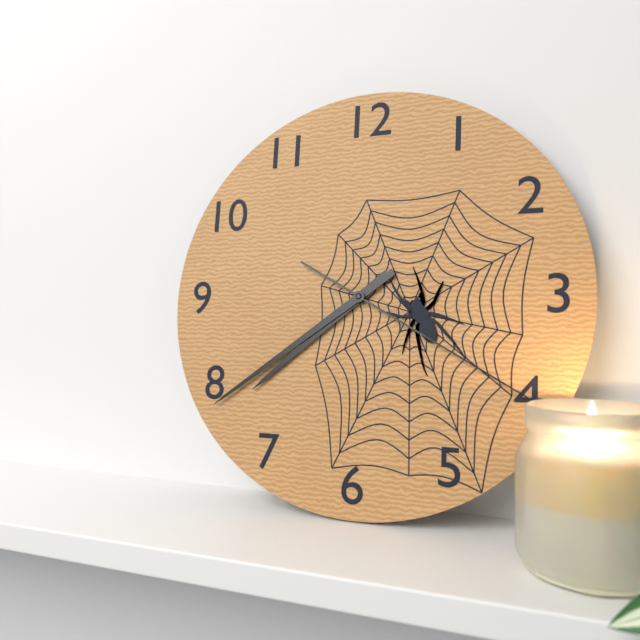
7:39:20
